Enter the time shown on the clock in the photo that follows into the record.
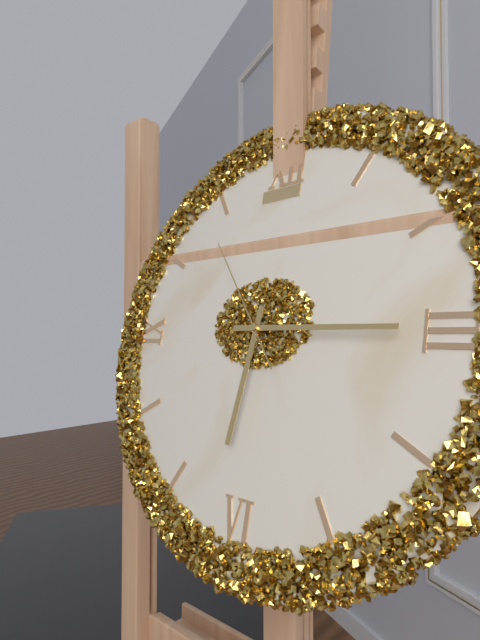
6:15:54
